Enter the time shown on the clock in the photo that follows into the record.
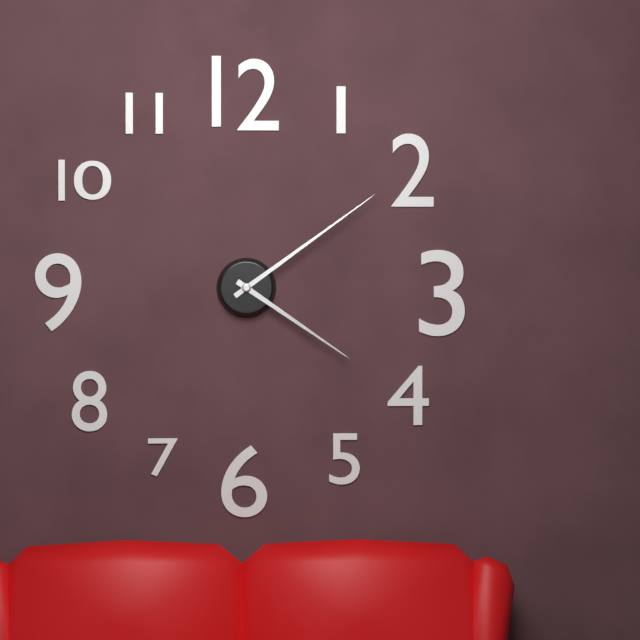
4:09
